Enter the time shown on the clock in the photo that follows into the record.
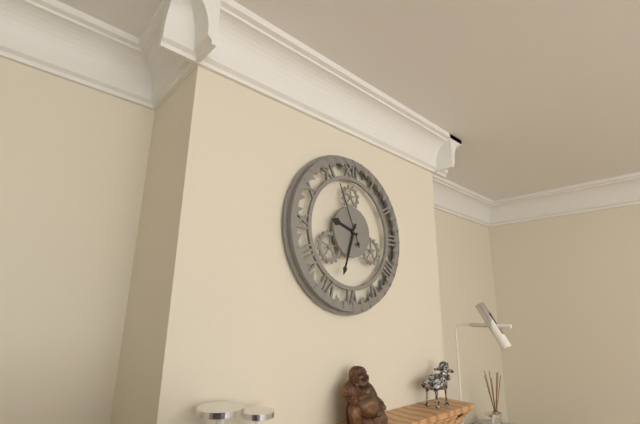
9:33:56
